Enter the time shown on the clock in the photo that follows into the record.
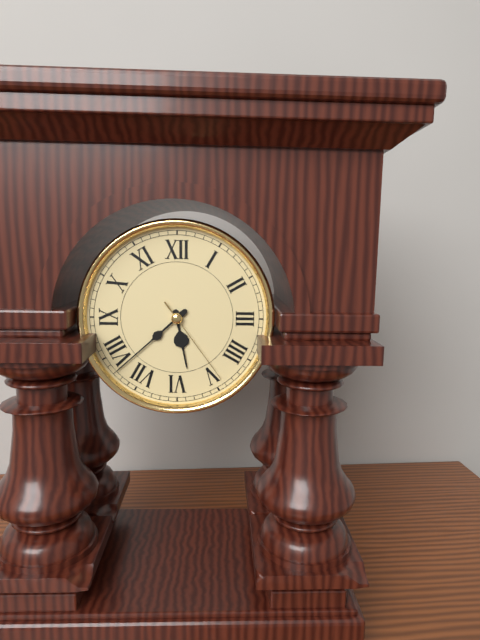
5:38:24
